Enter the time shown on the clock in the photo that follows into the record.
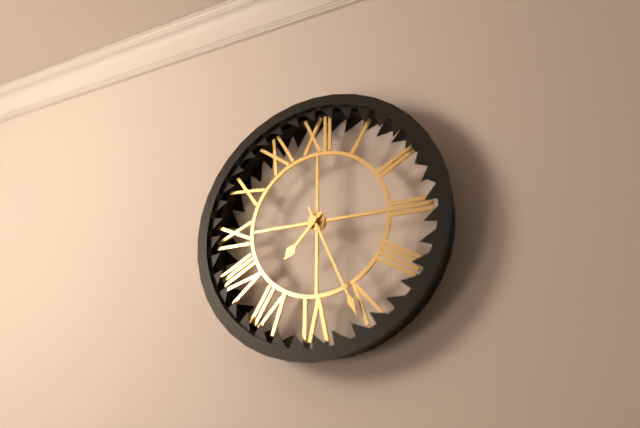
7:26
